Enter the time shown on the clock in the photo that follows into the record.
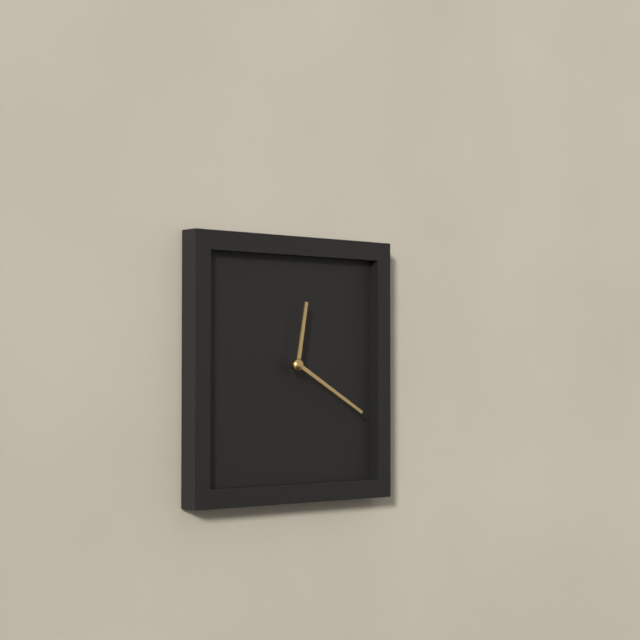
12:20
